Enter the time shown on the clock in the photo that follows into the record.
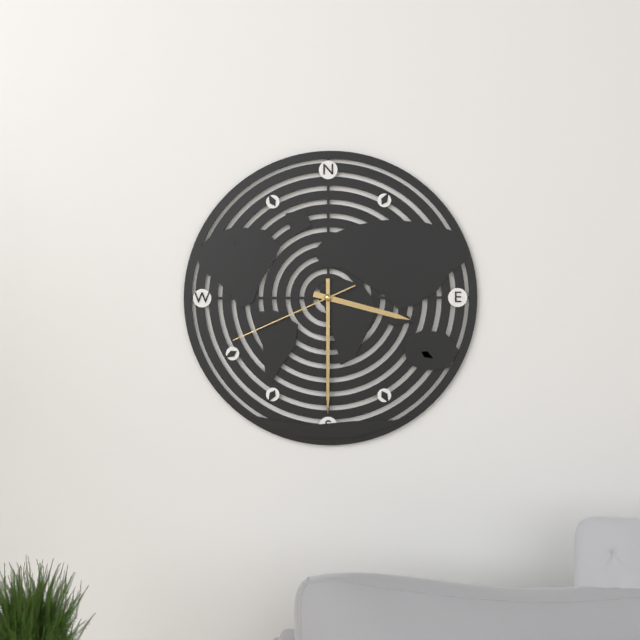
3:30:41
